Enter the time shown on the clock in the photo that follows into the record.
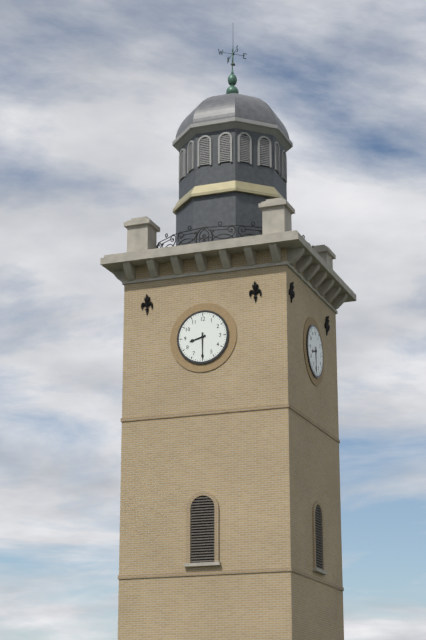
8:30
